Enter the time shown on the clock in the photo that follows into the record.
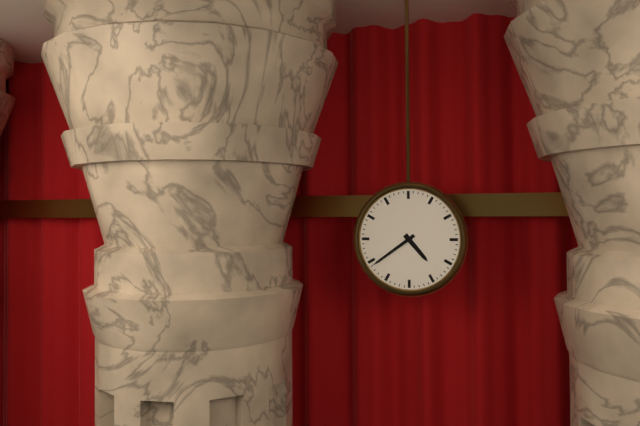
4:39
